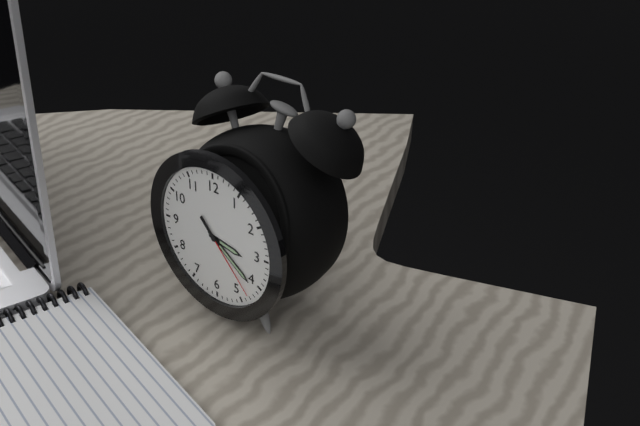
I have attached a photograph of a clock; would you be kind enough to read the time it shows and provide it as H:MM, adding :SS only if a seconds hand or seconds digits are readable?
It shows 3:21:23
